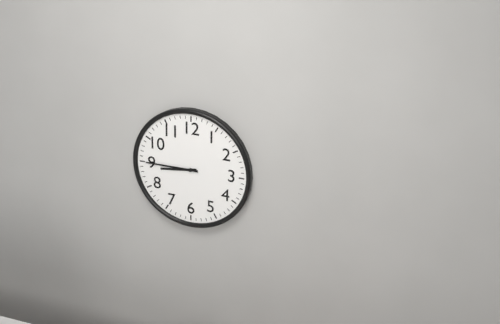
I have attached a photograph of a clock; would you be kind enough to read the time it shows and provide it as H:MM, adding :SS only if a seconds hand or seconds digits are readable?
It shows 8:45
